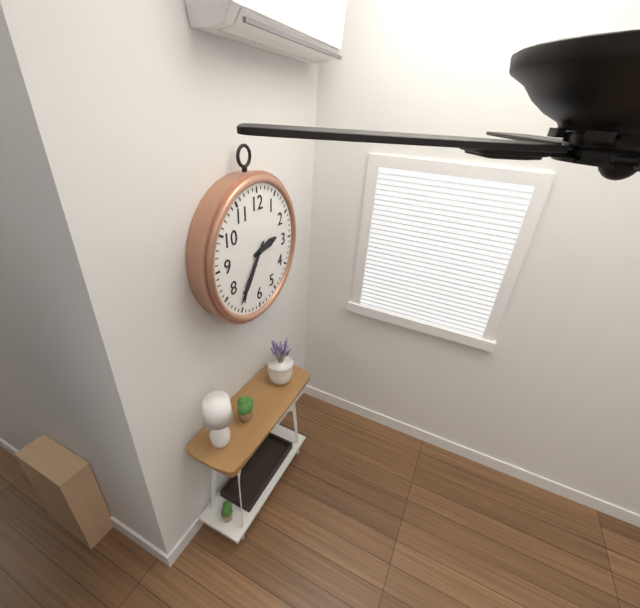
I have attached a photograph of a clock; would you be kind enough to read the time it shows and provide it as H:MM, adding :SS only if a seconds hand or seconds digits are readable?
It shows 2:36
